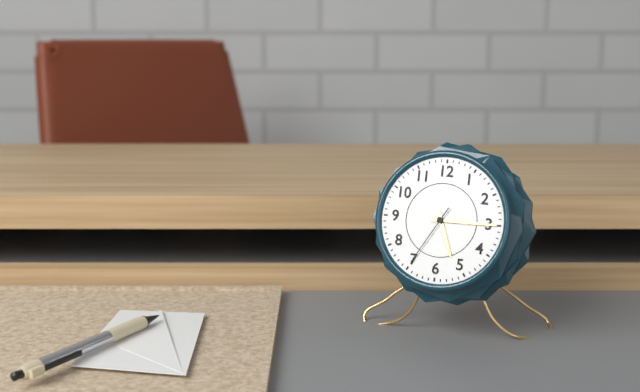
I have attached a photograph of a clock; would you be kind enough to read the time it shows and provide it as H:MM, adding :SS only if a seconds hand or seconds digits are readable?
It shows 5:15:35
